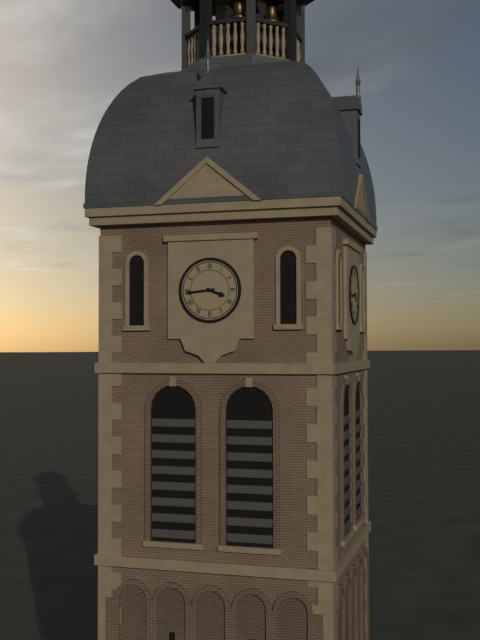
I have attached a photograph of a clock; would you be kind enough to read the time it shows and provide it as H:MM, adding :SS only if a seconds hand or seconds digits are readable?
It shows 3:44
